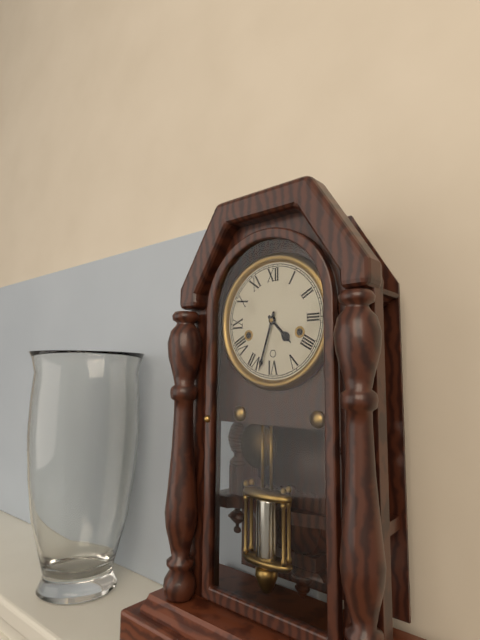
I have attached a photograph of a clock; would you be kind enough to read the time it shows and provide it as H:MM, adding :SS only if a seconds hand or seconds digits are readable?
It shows 4:33
